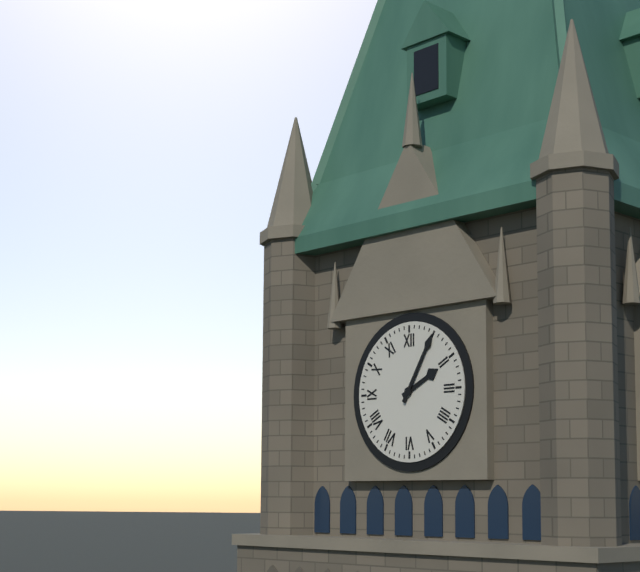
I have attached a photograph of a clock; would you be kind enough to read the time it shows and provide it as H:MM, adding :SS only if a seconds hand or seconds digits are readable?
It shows 2:05
